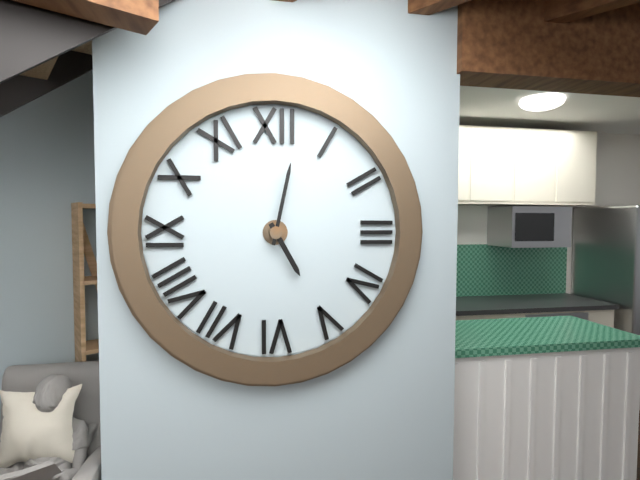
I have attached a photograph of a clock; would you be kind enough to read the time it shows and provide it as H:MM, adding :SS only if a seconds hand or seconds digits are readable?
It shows 5:02
